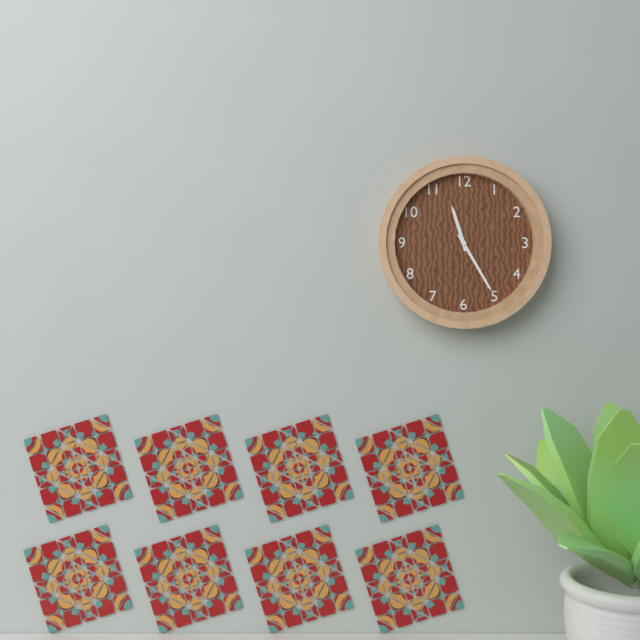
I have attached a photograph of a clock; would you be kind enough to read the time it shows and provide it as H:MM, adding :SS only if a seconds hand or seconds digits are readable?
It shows 11:25
